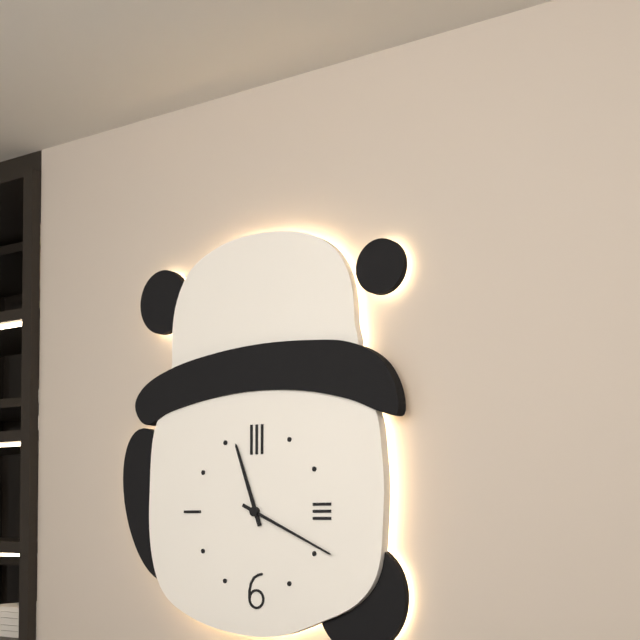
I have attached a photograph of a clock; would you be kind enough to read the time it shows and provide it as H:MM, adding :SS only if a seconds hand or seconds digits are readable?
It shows 11:19
